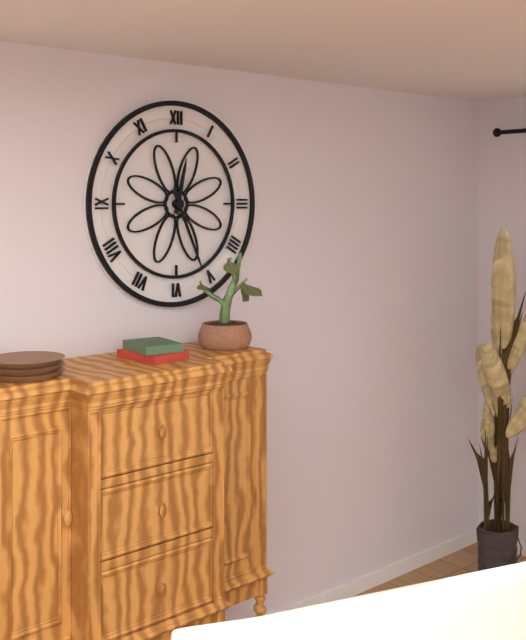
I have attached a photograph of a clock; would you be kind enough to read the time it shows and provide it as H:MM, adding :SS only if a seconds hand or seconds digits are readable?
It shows 12:26
